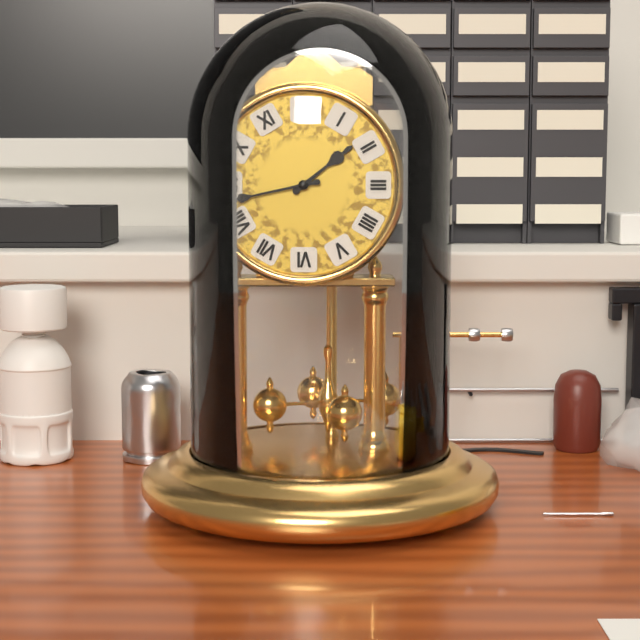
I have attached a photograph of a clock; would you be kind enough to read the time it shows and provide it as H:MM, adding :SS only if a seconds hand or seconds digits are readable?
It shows 1:43
